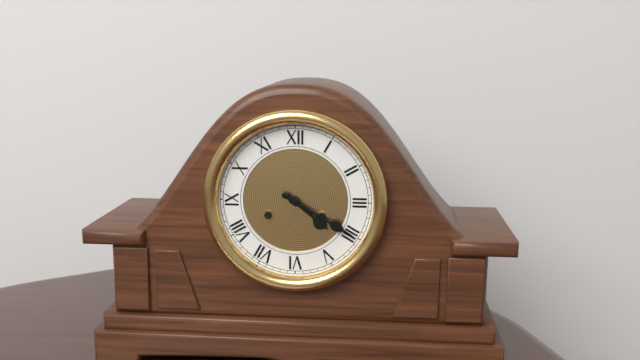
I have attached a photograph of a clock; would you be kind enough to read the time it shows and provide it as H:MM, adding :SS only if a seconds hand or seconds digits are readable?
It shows 4:20
